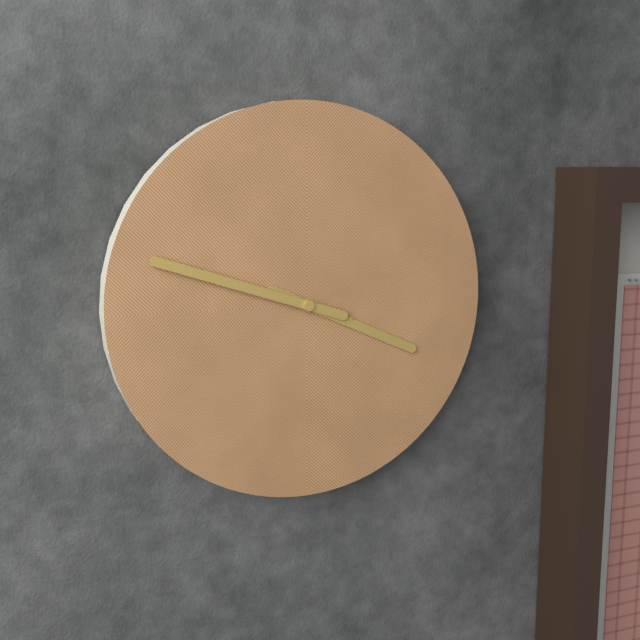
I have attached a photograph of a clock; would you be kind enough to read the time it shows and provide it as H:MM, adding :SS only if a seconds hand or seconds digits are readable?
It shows 3:48
